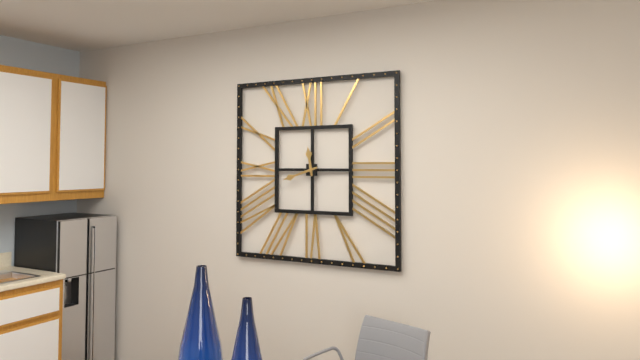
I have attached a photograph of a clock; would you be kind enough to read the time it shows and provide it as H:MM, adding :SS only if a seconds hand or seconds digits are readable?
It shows 11:42
